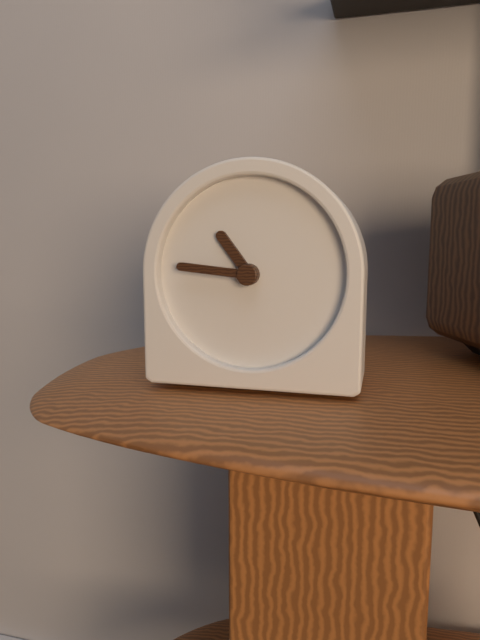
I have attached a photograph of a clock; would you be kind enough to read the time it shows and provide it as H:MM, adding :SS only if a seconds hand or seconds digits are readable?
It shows 10:46
